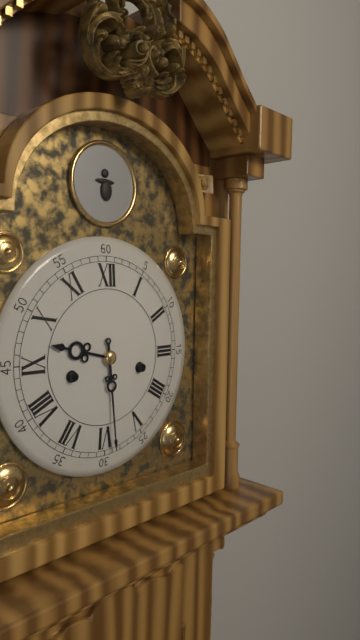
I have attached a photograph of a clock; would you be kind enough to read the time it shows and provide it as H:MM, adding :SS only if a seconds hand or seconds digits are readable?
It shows 9:29
